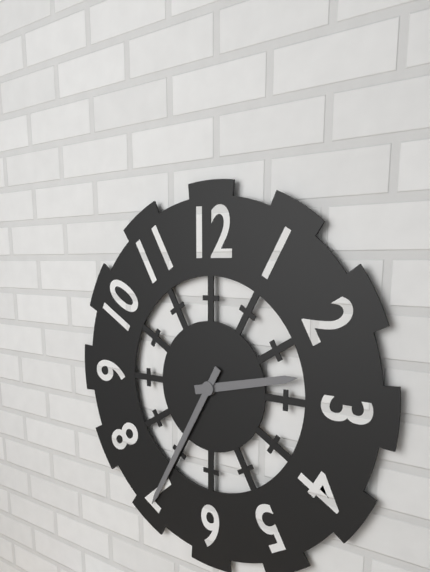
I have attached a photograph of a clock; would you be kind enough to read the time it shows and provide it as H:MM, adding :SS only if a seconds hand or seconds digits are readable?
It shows 2:35
